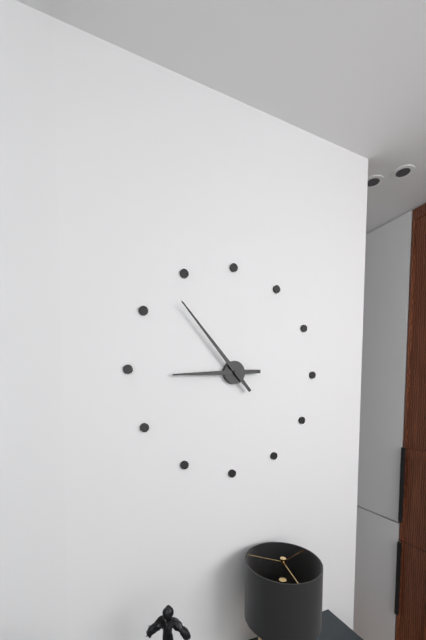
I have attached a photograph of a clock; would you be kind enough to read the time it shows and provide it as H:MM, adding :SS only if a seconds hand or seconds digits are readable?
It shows 8:53
